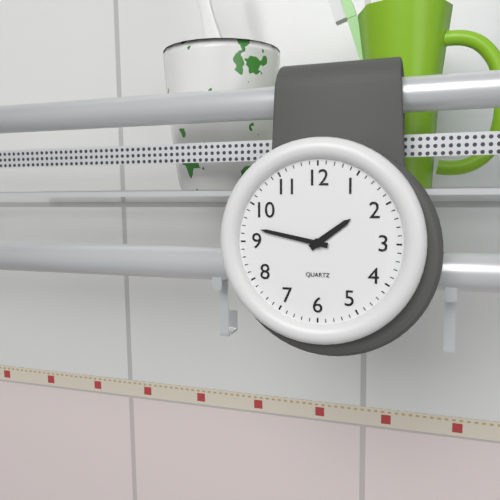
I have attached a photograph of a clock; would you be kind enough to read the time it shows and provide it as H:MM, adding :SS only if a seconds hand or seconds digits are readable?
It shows 1:47
